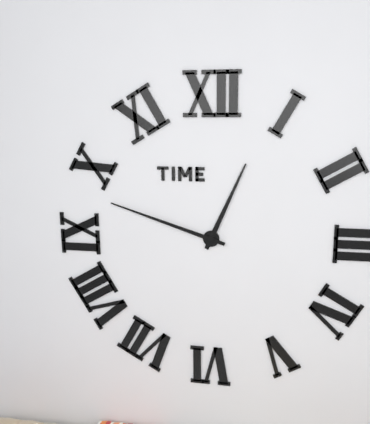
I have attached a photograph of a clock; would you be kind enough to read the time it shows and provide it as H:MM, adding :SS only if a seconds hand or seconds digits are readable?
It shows 12:48
